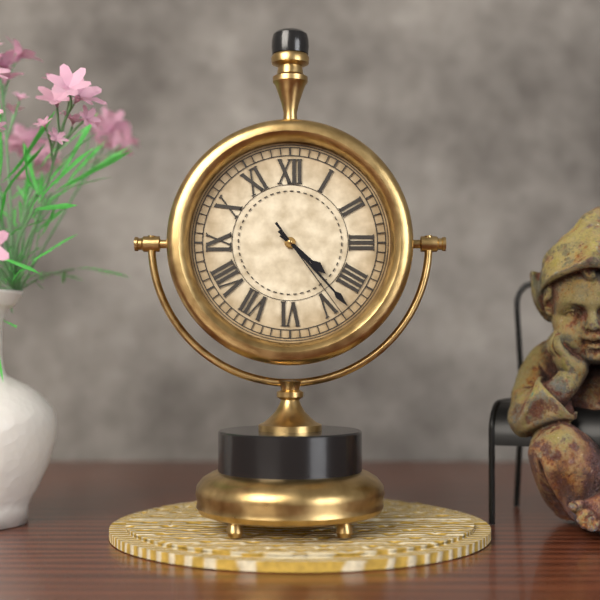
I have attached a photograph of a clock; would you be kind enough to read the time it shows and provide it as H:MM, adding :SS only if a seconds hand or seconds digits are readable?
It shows 4:23:24
